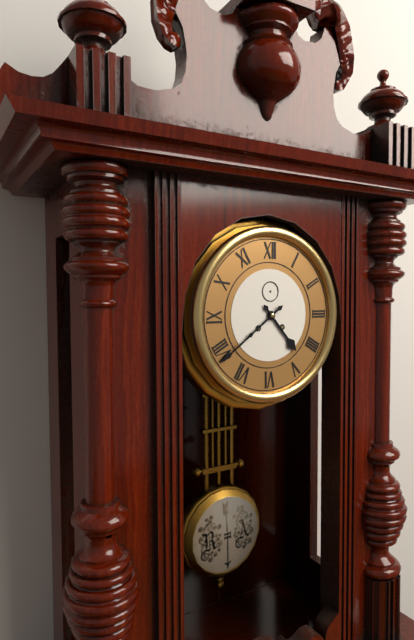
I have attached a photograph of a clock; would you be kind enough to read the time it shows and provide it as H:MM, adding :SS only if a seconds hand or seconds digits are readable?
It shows 4:39
